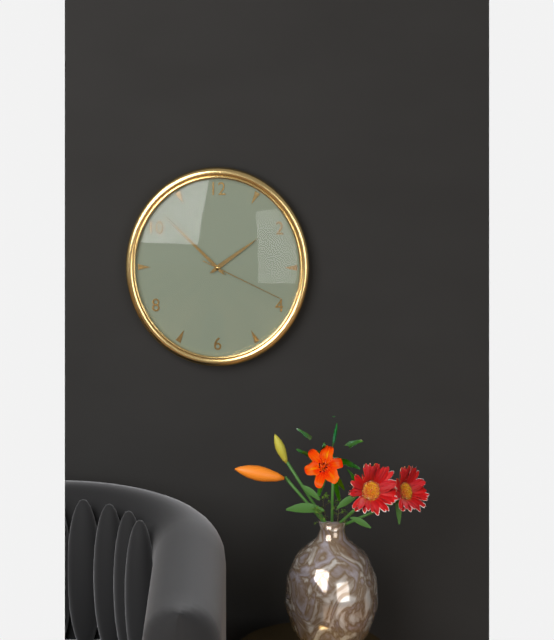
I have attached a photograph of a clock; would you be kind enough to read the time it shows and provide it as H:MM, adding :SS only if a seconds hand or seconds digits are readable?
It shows 1:52:19
